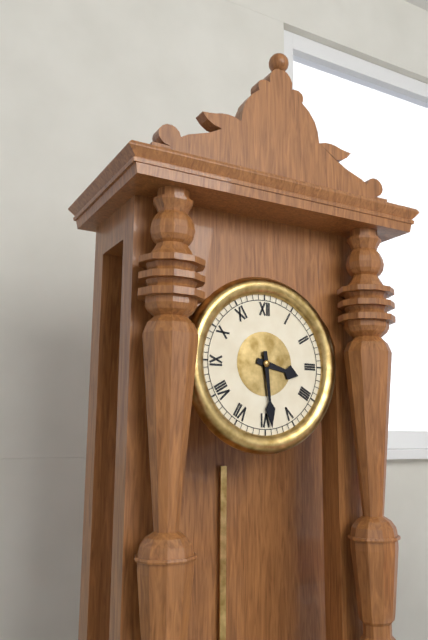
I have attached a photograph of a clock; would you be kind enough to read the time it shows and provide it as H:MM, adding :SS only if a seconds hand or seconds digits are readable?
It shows 3:29
